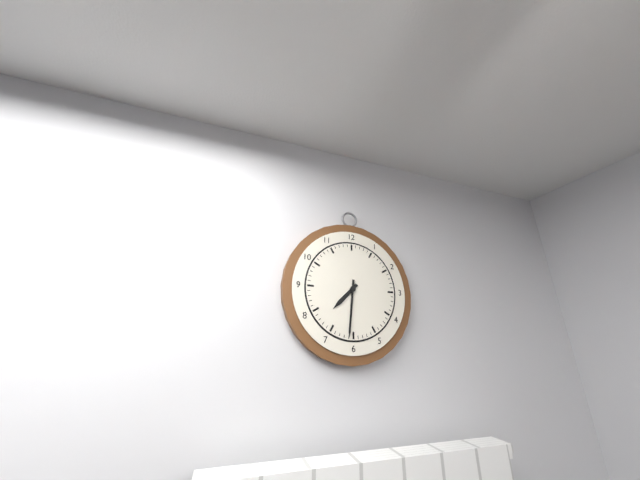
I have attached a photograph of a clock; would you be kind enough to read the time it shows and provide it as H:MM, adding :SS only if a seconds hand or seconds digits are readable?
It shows 7:31
